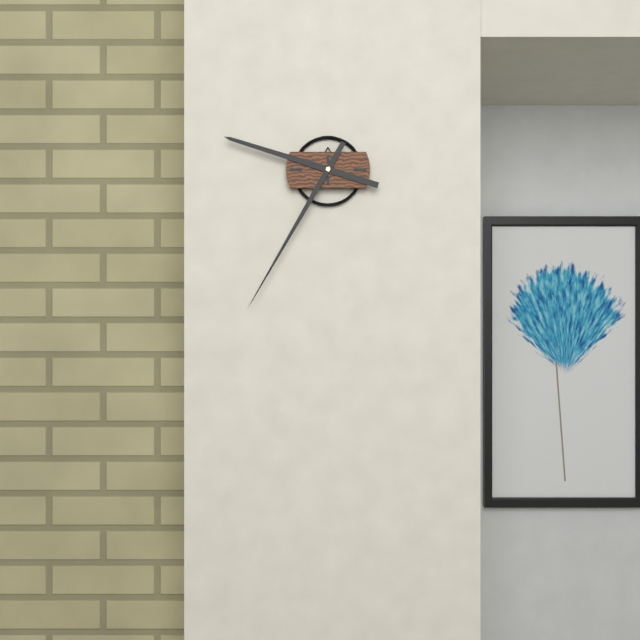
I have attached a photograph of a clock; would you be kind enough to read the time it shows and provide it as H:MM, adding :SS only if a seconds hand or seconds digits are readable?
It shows 9:35
